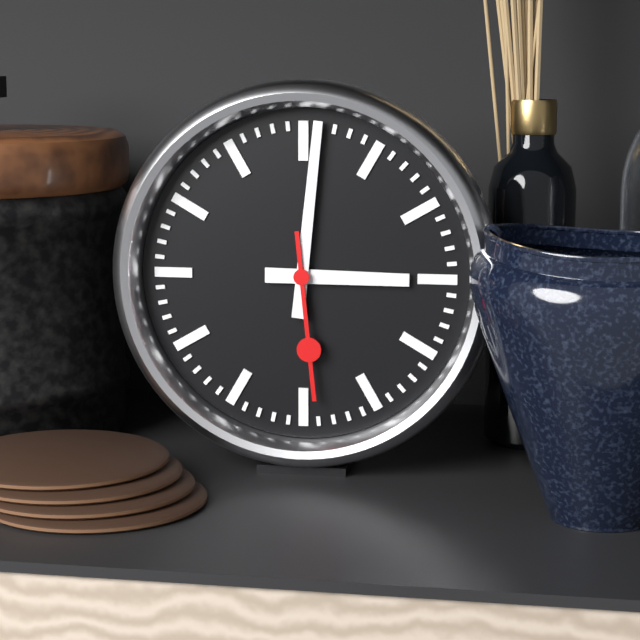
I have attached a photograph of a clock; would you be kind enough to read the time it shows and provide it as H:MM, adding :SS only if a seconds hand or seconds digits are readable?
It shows 3:01:29
